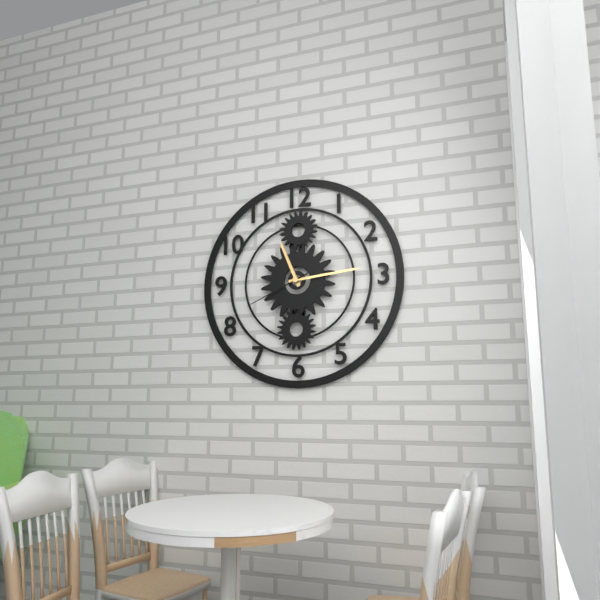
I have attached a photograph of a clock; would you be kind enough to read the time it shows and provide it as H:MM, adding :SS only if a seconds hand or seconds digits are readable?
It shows 11:14:41
